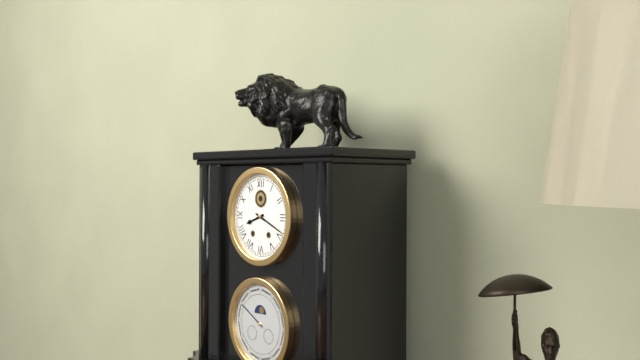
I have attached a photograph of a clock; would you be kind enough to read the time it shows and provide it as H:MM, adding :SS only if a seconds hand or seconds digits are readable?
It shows 8:19
